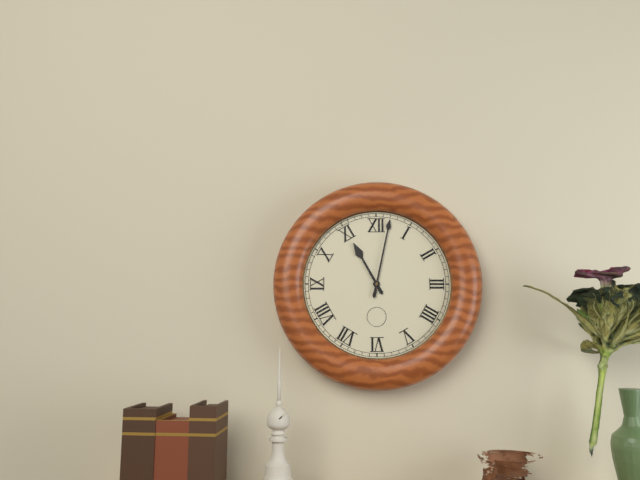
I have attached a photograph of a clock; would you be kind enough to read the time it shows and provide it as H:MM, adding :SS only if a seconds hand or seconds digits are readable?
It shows 11:02
